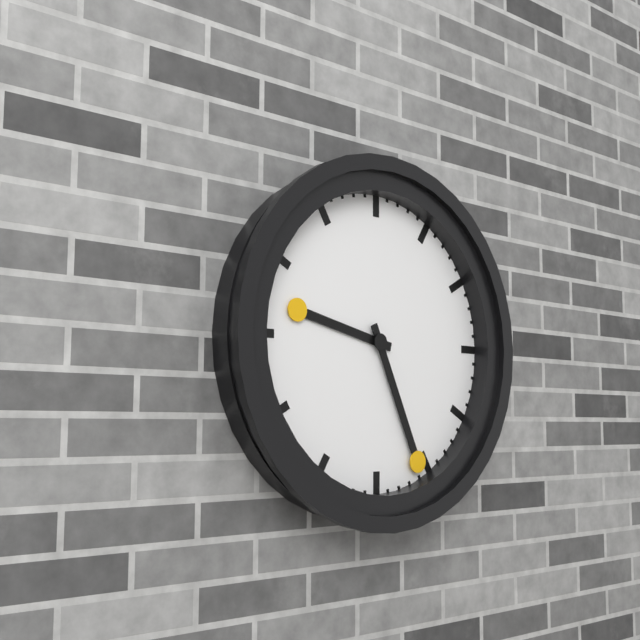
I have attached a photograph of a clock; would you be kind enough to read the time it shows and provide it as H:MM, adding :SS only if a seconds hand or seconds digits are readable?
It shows 9:26
